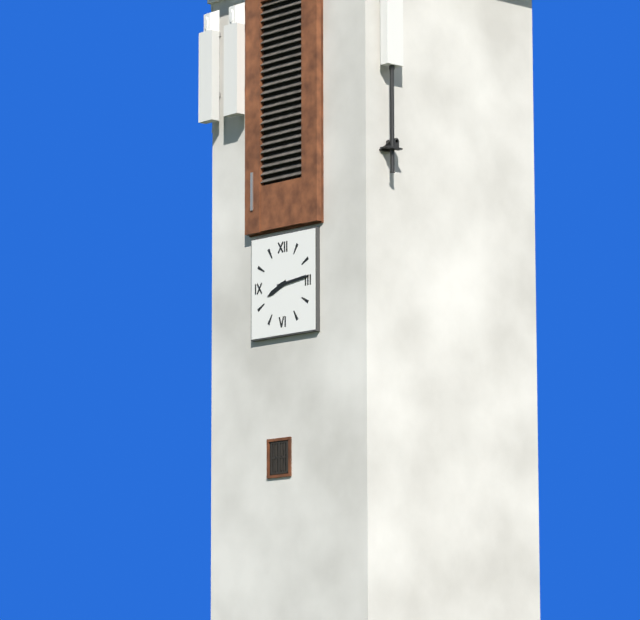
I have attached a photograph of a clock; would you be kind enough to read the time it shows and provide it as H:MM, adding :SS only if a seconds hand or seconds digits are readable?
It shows 8:14
